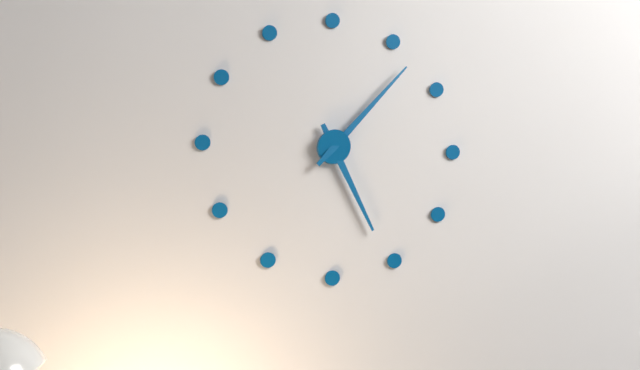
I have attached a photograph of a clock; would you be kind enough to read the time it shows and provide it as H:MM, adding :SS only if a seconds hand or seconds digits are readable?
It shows 5:07
